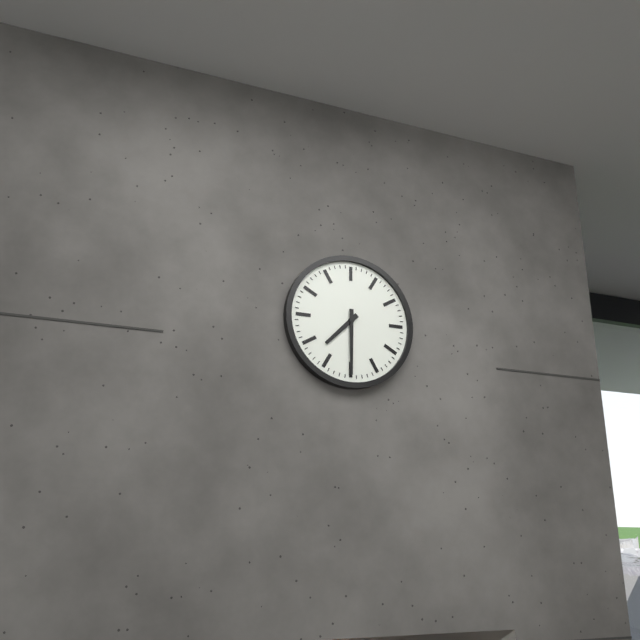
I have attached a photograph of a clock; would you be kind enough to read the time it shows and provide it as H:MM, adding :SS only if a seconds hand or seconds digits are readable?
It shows 7:30
